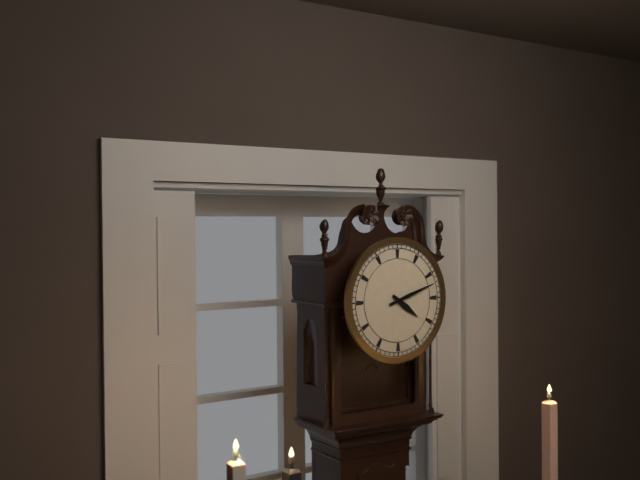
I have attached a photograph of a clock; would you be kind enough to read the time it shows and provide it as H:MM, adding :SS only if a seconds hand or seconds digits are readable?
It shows 4:12
